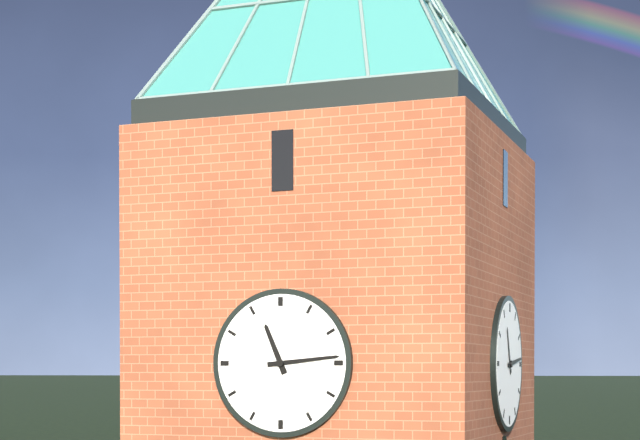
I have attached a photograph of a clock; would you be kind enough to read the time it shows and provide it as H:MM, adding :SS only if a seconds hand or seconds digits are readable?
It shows 11:14
